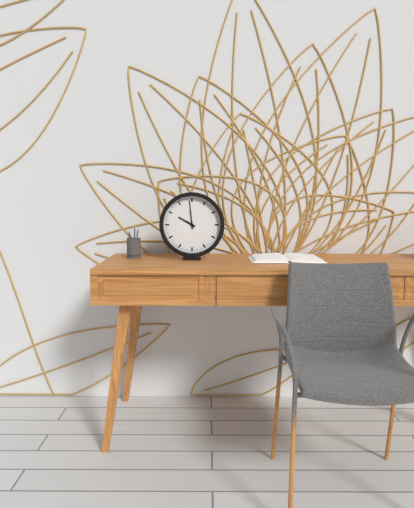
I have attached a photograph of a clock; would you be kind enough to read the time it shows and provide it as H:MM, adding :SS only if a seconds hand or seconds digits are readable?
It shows 9:59
